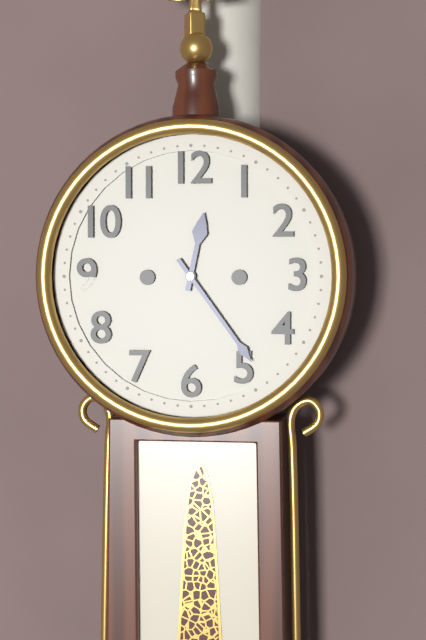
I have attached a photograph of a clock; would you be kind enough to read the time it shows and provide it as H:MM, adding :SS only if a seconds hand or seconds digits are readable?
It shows 12:24
